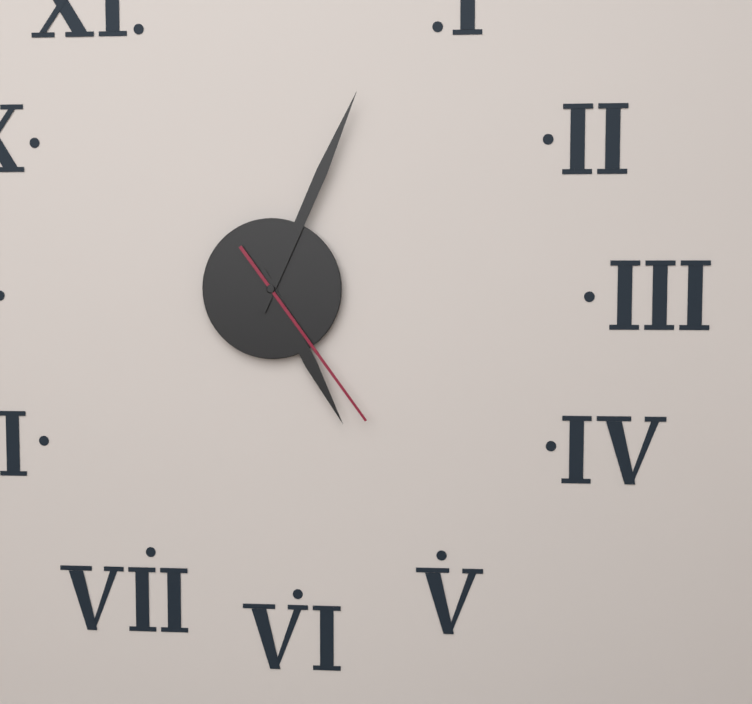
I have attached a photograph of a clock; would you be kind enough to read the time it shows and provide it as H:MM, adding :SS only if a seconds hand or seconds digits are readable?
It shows 5:04:24
